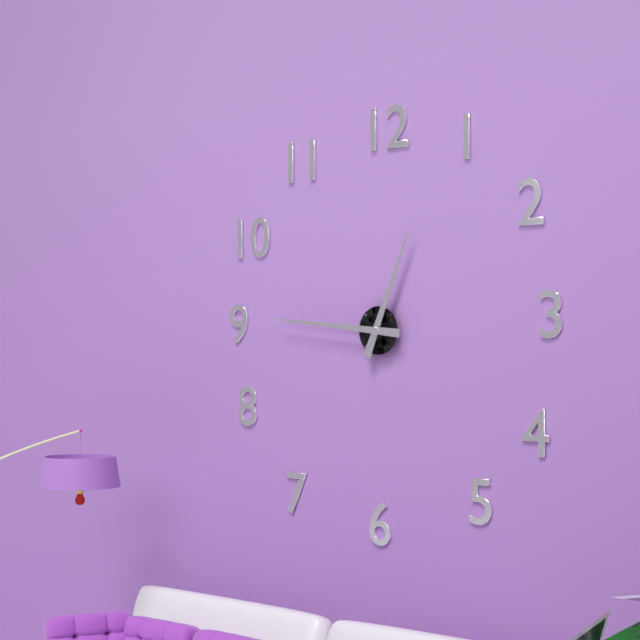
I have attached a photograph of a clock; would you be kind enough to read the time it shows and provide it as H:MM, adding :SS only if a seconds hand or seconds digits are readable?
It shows 12:46
